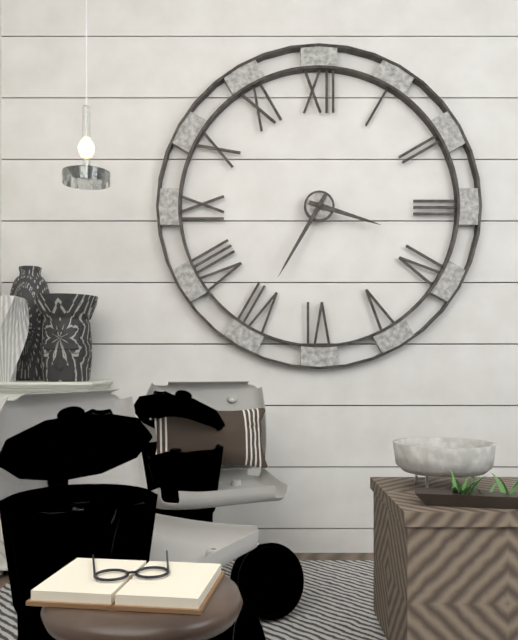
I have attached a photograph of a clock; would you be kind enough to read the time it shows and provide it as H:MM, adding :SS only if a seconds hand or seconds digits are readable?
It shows 3:35
